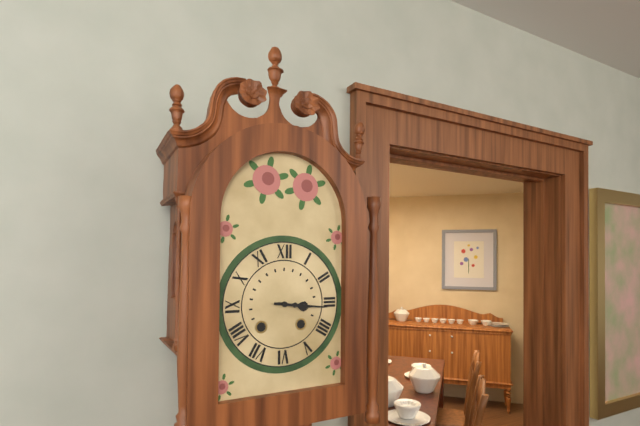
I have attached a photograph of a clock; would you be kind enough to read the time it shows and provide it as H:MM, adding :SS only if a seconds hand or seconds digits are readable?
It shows 3:16
